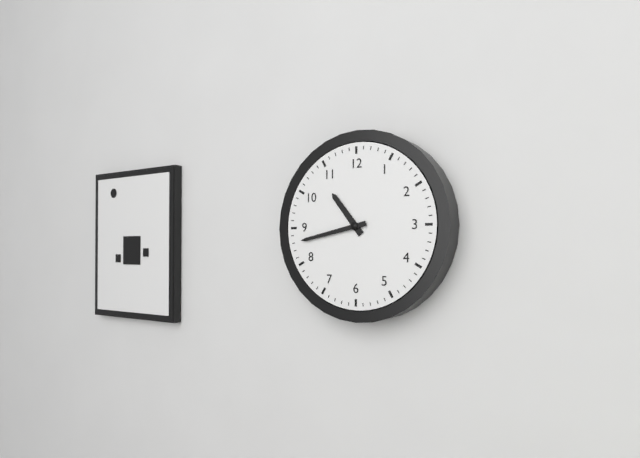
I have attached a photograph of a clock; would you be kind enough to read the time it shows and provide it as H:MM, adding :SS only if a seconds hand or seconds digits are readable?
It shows 10:43
